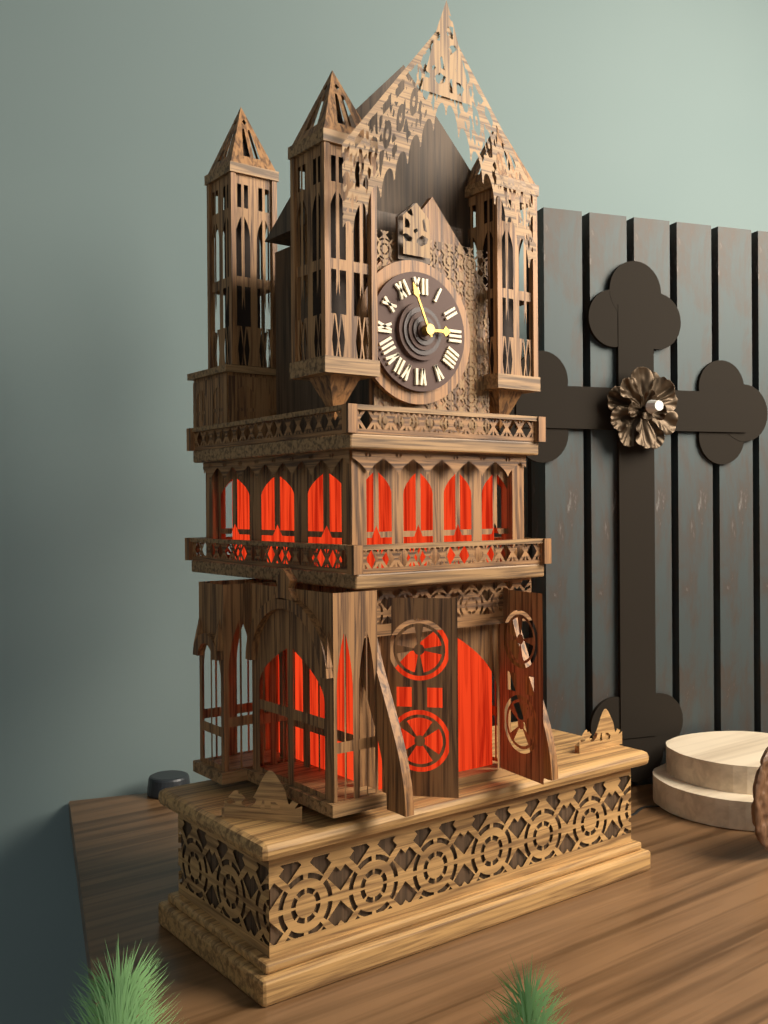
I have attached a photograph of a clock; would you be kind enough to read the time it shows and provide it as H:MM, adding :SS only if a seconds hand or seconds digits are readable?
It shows 2:56
